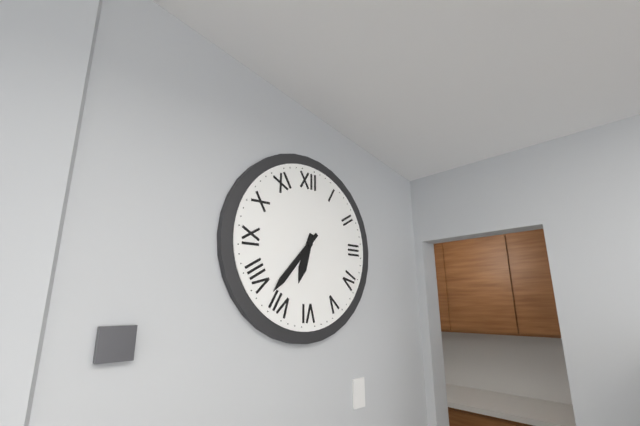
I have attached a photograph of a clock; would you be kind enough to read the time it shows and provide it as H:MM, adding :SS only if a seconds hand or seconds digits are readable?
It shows 6:37
